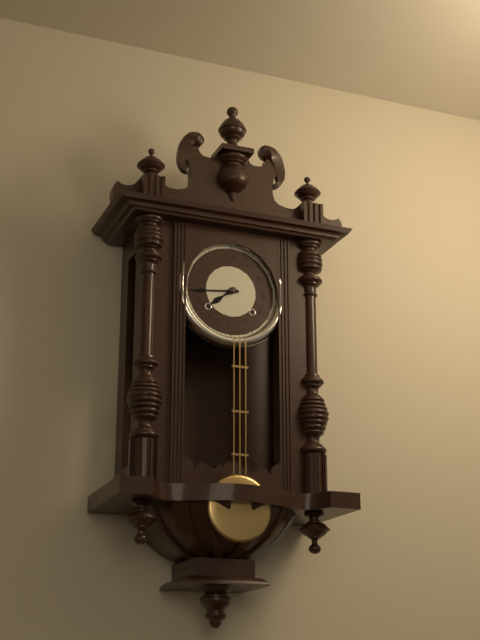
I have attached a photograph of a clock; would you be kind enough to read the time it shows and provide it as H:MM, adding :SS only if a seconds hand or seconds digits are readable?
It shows 7:44
